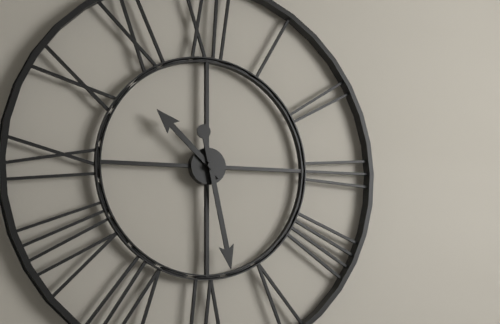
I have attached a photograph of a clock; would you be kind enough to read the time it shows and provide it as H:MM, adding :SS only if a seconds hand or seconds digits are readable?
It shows 10:28
